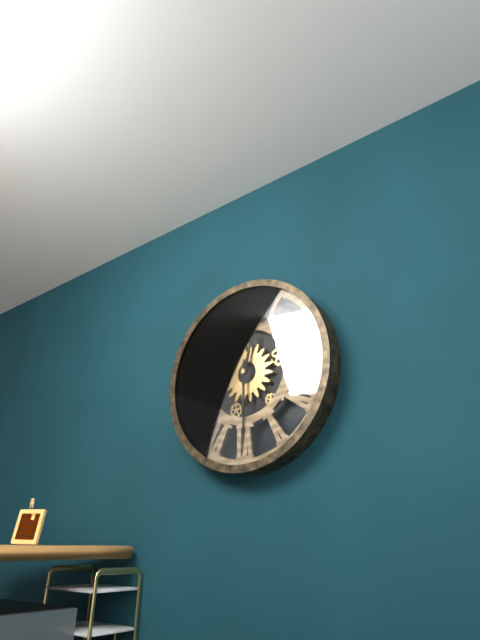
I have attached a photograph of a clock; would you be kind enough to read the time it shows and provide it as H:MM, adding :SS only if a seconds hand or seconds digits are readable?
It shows 12:30
